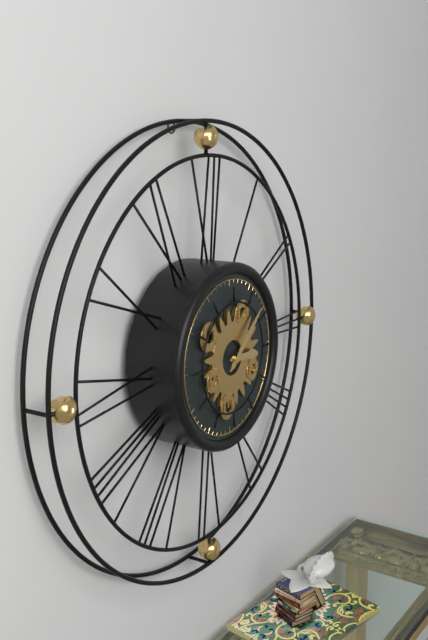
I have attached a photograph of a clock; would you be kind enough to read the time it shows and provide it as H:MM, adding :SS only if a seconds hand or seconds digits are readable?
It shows 3:08
